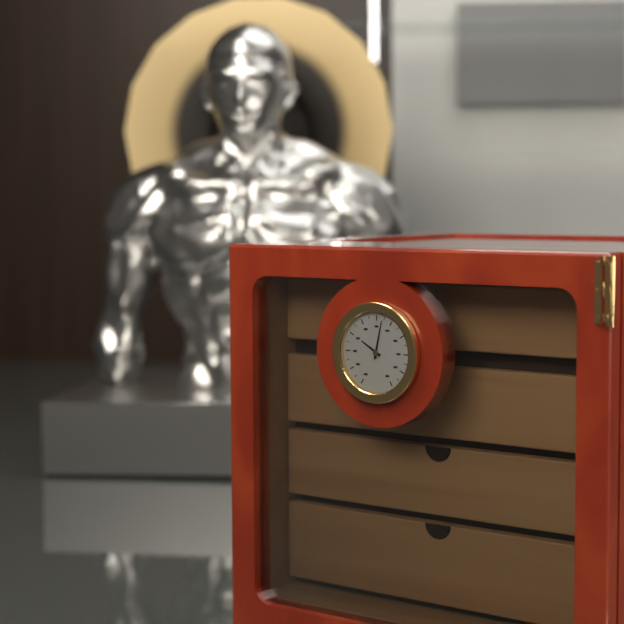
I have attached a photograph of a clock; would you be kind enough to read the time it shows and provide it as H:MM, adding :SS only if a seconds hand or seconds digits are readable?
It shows 10:02
